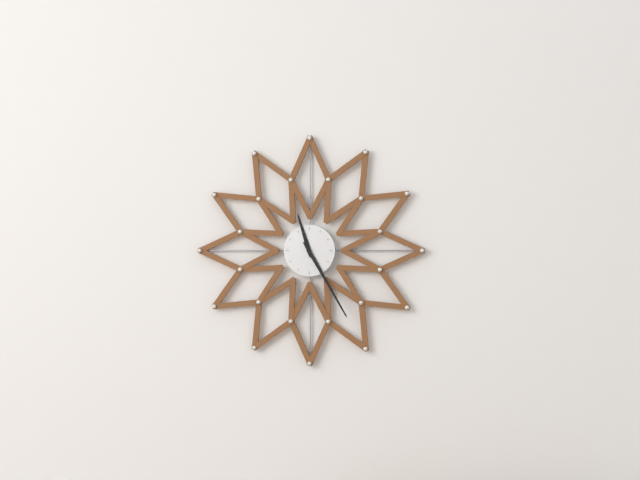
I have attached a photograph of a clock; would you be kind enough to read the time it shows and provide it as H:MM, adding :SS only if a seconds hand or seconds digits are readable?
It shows 11:25
